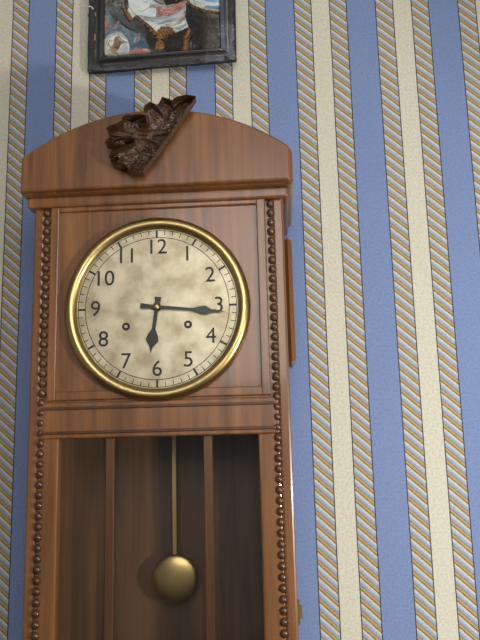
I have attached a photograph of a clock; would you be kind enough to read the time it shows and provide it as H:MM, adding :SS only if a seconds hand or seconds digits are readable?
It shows 6:16
